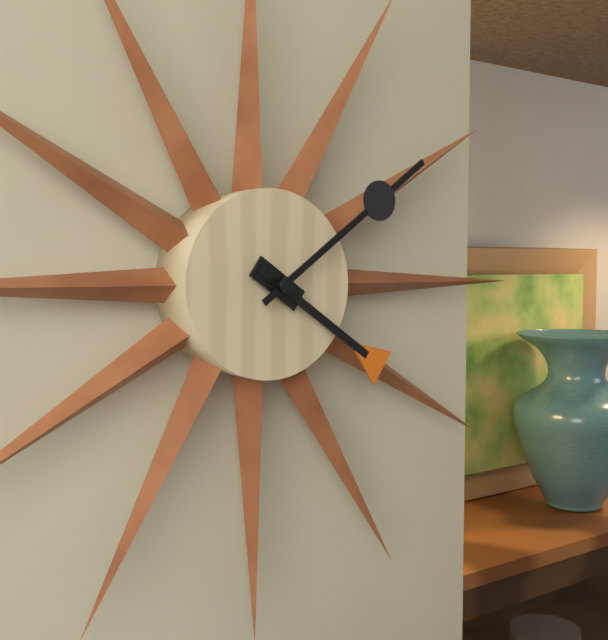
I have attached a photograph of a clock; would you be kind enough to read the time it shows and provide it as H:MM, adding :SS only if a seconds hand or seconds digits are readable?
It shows 4:09
